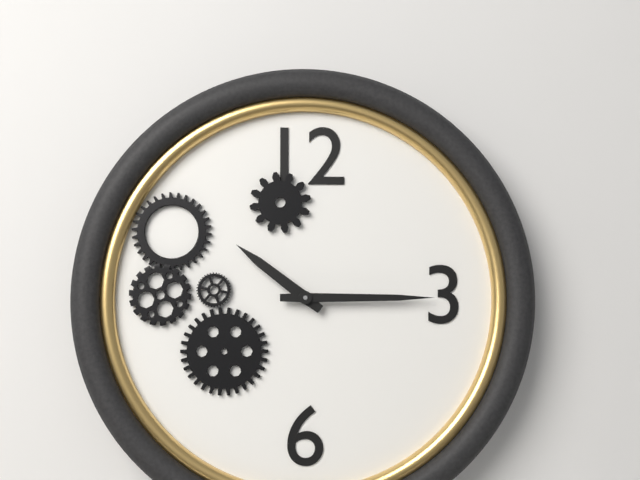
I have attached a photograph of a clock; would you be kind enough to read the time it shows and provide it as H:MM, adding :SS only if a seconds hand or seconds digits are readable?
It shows 10:15
